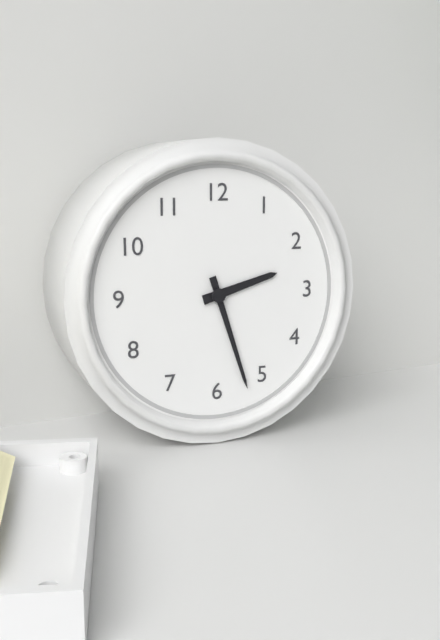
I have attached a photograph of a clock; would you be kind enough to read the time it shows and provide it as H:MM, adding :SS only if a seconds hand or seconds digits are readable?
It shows 2:27
